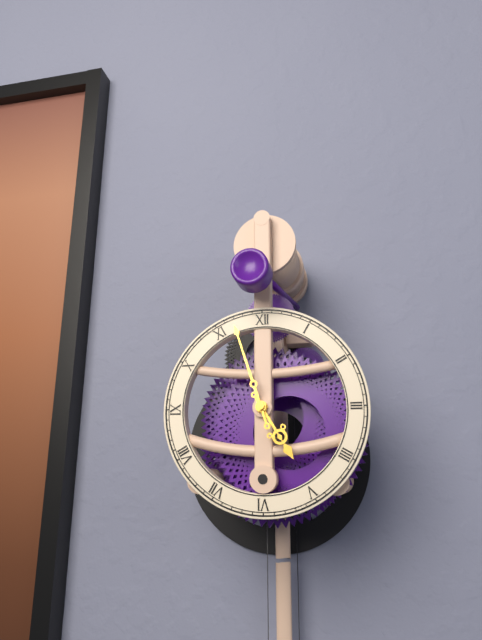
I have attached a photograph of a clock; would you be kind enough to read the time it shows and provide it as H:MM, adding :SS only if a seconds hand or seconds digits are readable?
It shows 4:57
